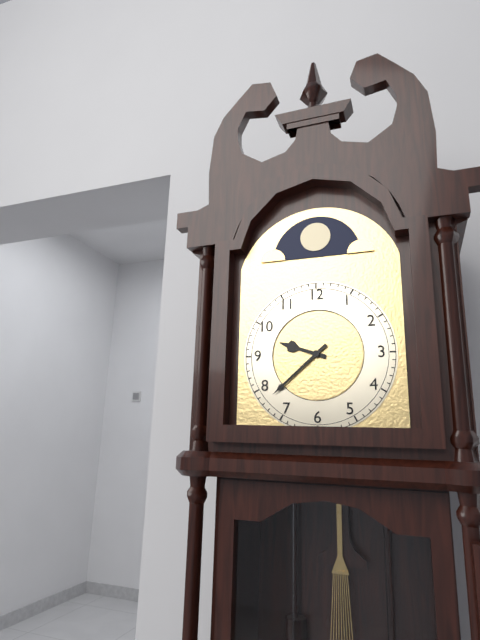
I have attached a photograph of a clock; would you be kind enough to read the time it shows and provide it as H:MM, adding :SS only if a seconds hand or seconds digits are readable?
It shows 9:38
